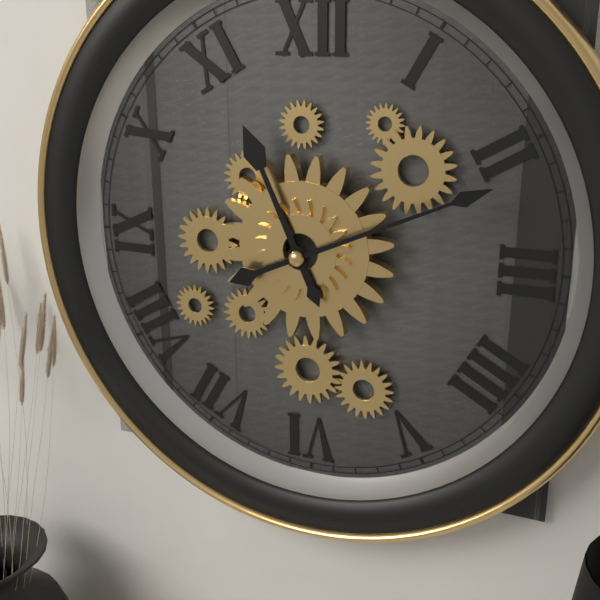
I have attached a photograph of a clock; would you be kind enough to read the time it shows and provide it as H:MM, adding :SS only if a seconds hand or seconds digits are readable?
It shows 11:11
